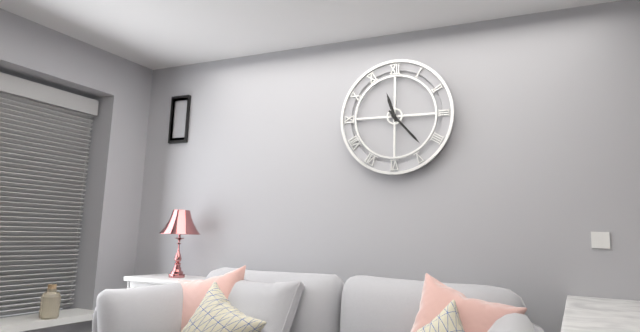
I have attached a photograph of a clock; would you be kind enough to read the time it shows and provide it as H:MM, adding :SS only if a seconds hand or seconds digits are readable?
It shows 11:23
